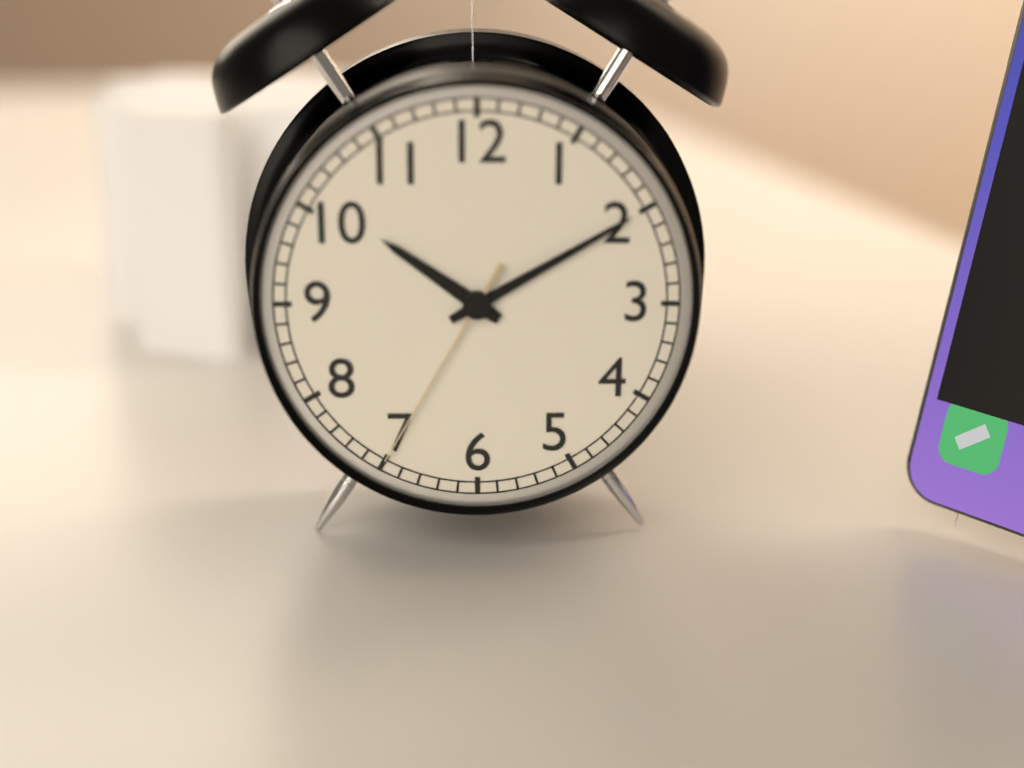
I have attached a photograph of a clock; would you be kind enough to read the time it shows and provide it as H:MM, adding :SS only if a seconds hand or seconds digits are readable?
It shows 10:10:35
